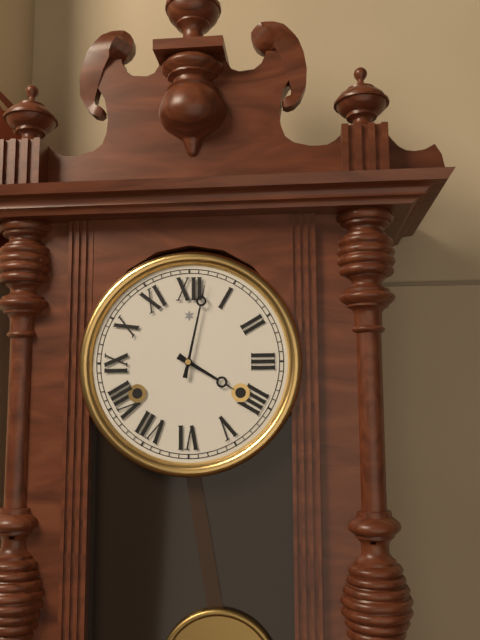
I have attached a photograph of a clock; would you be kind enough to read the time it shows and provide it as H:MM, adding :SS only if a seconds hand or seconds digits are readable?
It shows 4:02
